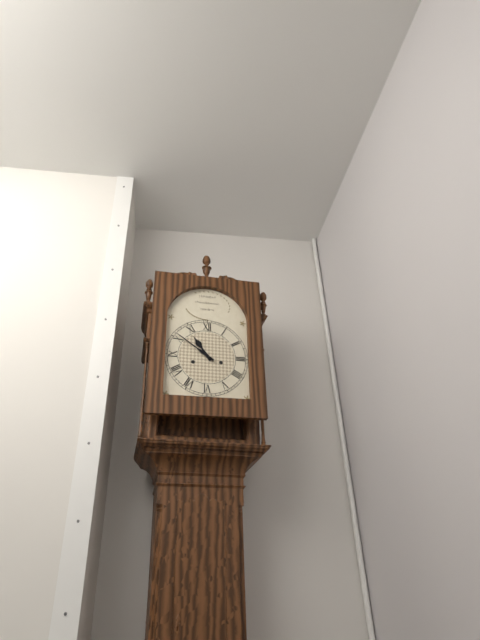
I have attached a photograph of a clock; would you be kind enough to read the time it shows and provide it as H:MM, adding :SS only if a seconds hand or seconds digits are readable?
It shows 10:51
